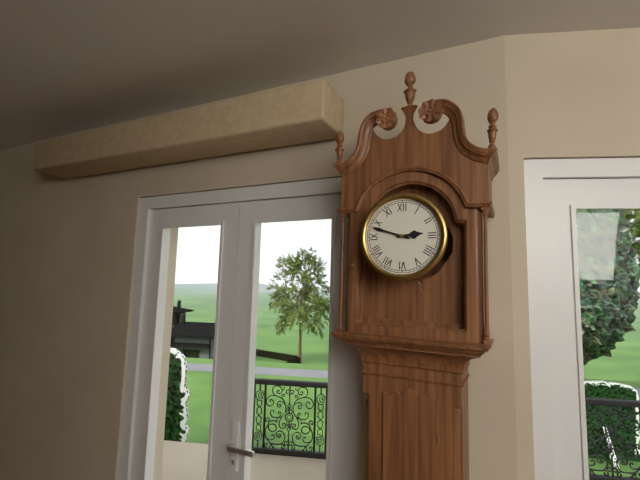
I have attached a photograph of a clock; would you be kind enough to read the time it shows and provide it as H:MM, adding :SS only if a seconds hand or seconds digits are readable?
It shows 2:48
